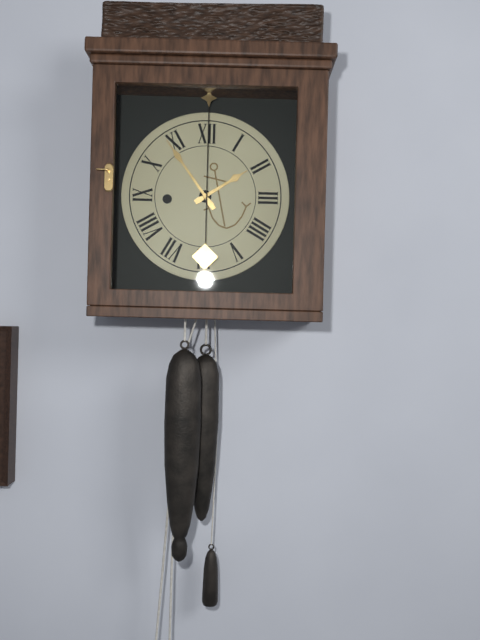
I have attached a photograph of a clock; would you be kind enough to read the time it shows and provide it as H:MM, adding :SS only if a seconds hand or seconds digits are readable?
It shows 1:54
